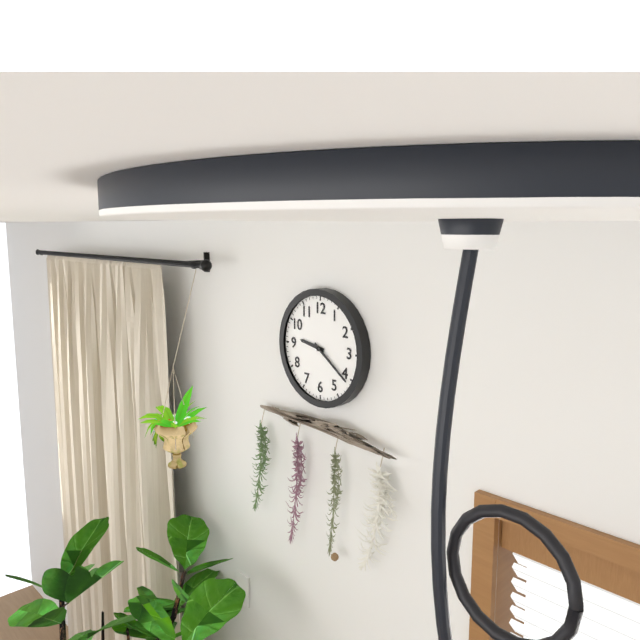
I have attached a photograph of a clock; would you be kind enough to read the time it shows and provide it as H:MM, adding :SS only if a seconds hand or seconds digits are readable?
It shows 9:21
